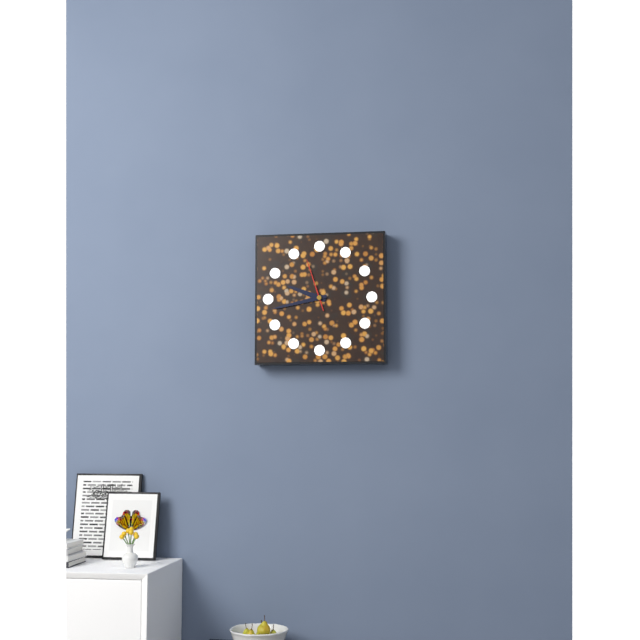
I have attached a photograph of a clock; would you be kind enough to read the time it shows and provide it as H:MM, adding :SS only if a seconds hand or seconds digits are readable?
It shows 9:43:57
